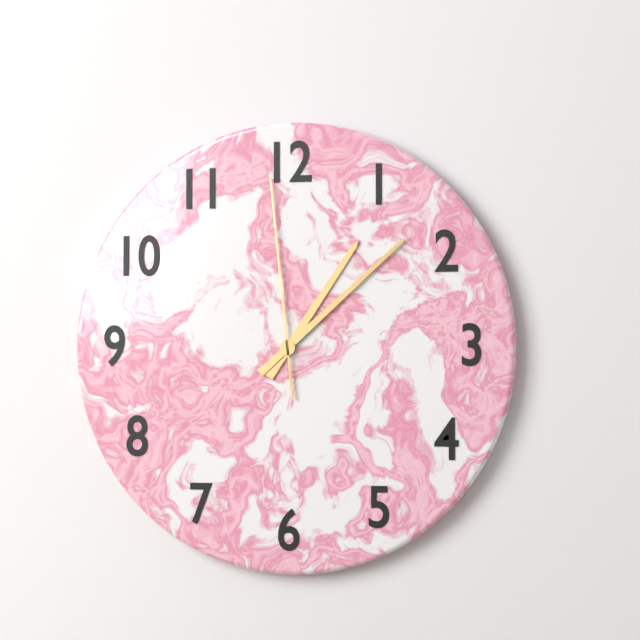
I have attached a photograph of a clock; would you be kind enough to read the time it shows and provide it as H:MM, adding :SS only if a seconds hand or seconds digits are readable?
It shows 1:08:59
